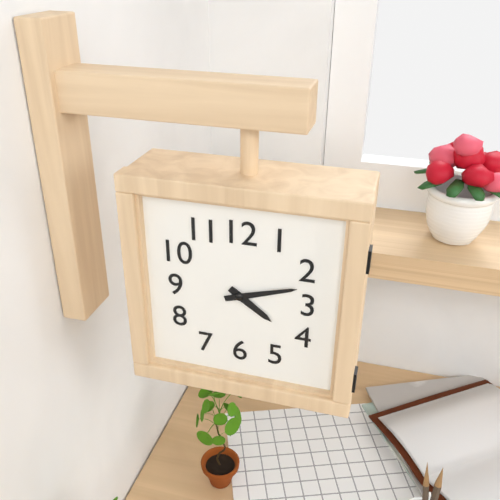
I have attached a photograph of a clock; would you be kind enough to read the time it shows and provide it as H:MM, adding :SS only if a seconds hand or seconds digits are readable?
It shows 4:12
